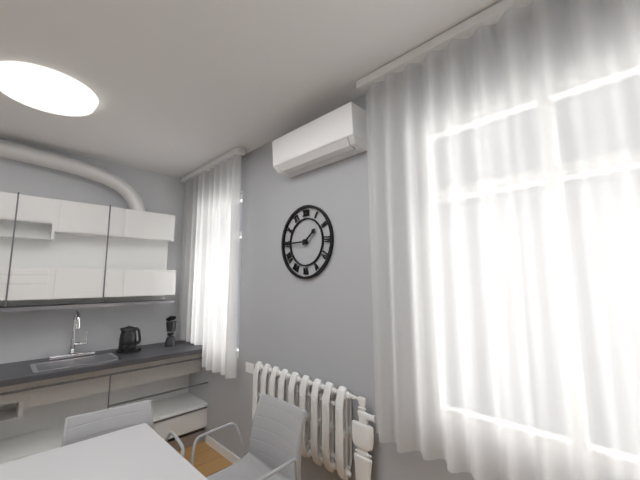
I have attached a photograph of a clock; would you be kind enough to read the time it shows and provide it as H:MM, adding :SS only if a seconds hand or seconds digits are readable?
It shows 1:45
